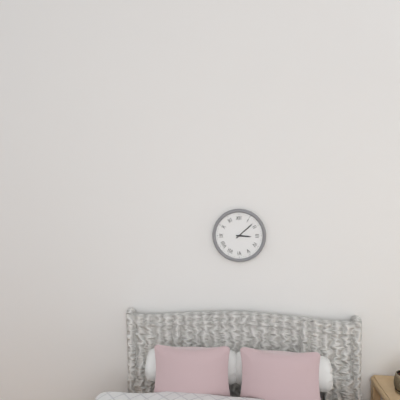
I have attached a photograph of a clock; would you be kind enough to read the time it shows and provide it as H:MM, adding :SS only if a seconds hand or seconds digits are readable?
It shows 3:08
